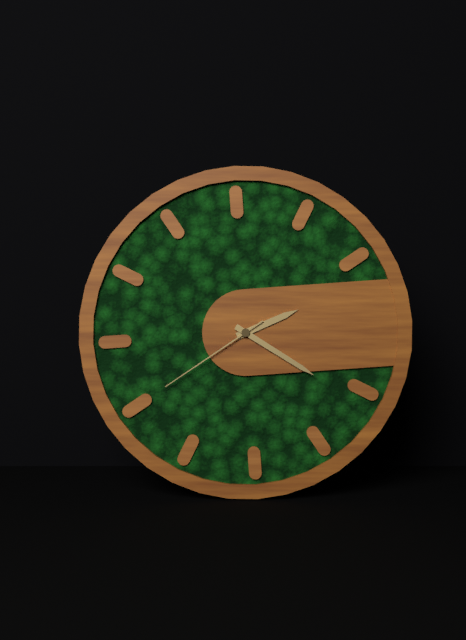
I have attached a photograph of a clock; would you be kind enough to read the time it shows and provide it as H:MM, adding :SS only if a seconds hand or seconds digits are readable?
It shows 2:21:40
